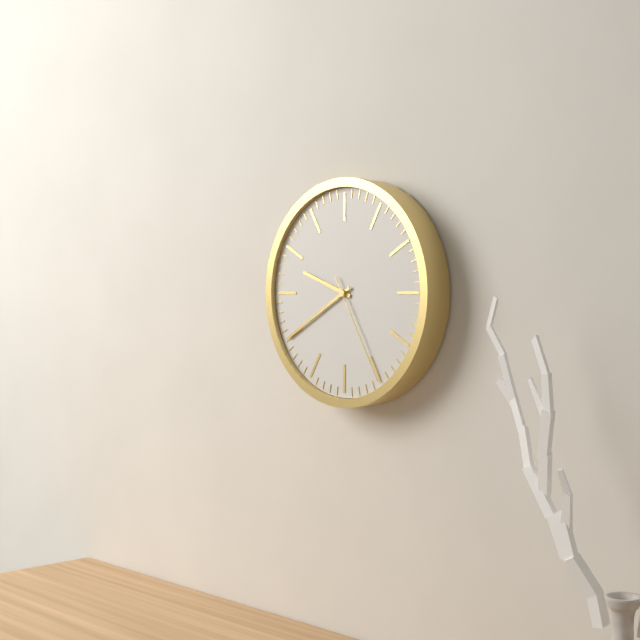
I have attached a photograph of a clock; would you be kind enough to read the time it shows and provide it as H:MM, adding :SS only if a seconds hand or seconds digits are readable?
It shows 9:40:25
